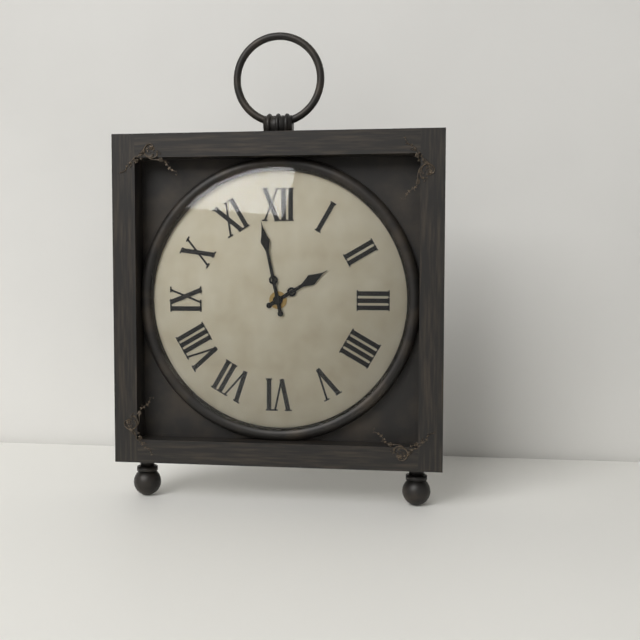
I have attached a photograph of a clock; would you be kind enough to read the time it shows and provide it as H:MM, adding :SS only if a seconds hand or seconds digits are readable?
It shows 1:58
